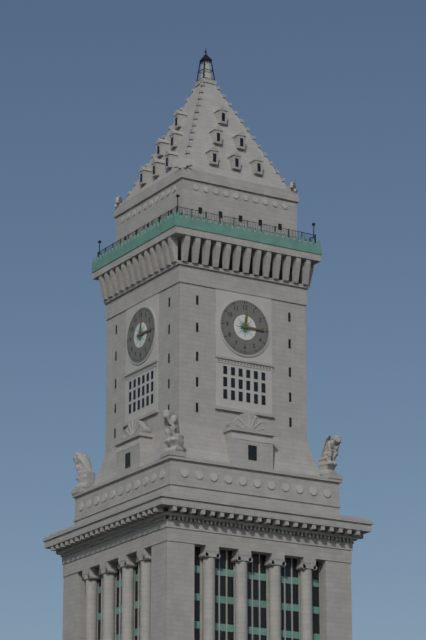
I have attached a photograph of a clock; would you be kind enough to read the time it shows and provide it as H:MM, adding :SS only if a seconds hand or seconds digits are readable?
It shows 12:15
